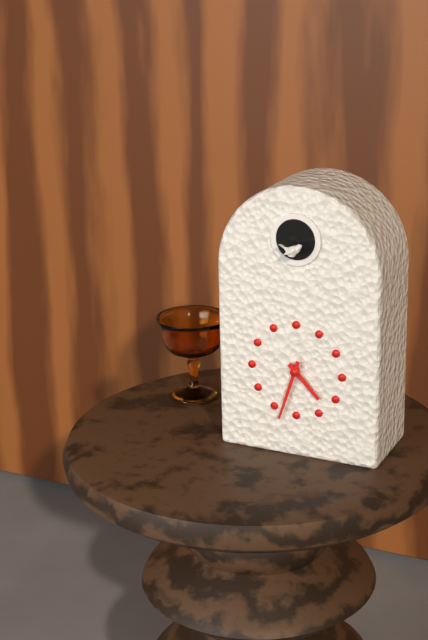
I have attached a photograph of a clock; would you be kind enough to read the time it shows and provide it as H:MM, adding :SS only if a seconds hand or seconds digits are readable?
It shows 4:33
